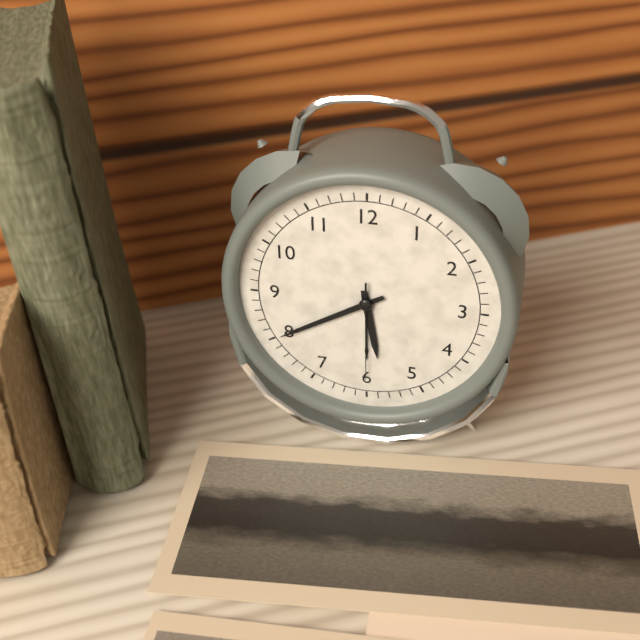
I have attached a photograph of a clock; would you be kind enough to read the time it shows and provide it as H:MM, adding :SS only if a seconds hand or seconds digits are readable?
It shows 5:40:30
